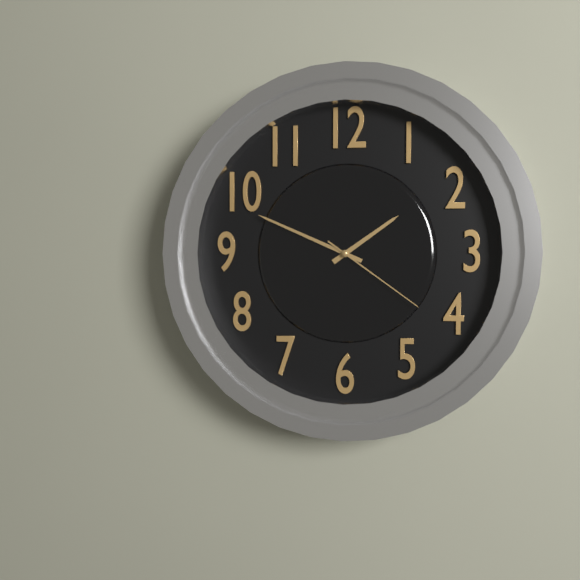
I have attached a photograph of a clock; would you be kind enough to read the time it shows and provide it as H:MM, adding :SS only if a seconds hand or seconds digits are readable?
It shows 1:49:21
